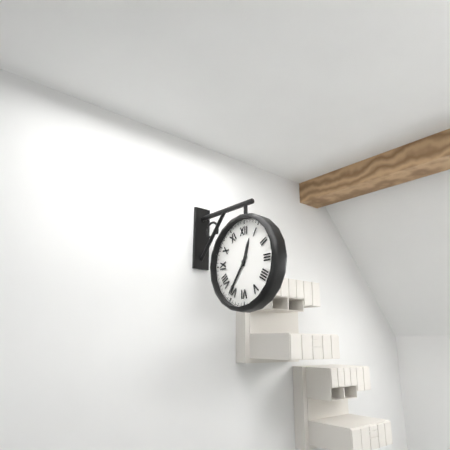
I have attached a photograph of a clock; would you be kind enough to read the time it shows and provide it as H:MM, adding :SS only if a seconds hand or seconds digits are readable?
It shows 12:36
